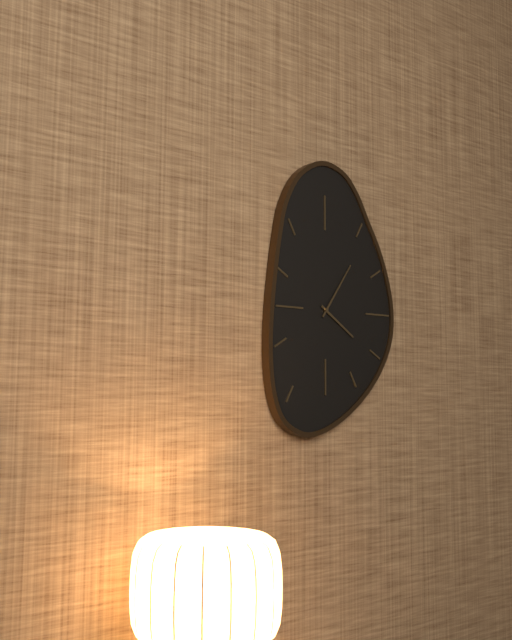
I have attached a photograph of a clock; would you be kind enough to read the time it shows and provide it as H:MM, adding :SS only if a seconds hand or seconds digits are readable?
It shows 4:06
